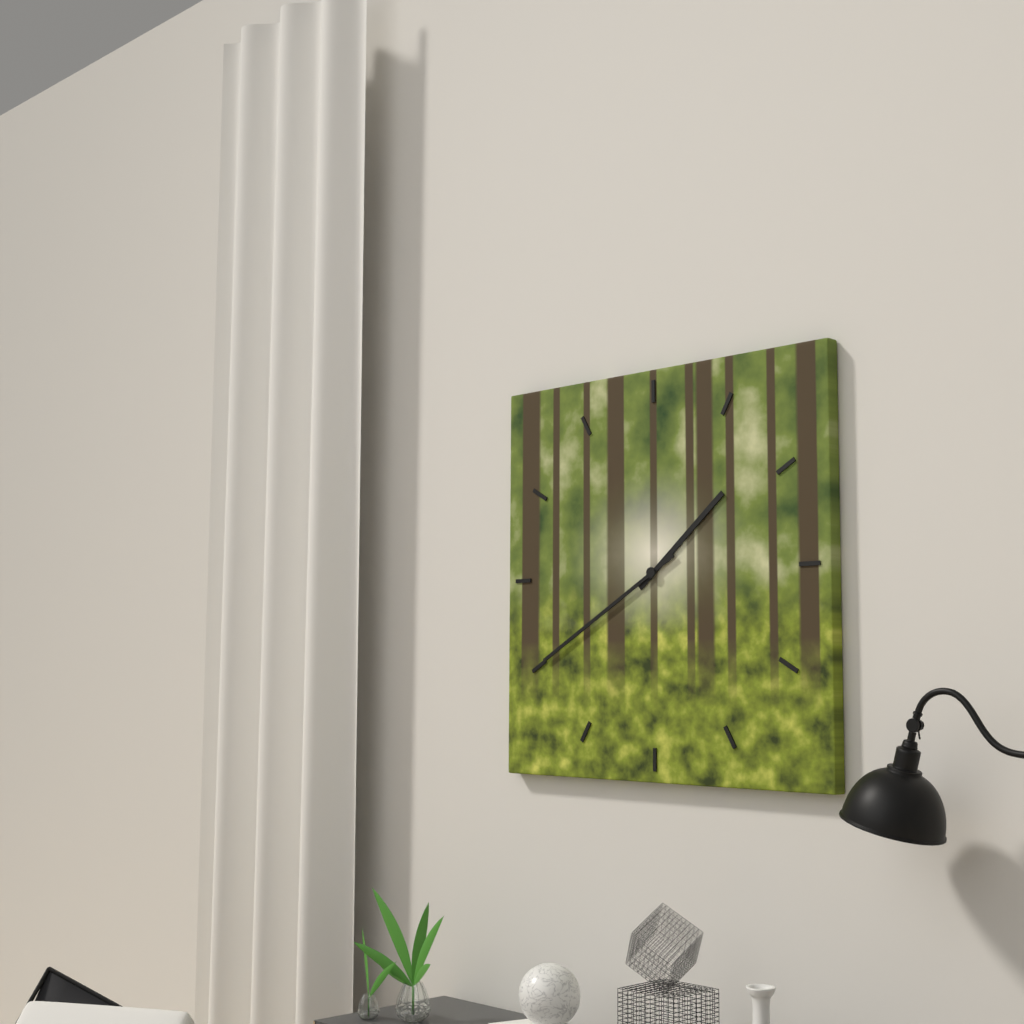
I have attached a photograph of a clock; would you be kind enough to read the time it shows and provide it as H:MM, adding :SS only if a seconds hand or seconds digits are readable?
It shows 1:40
